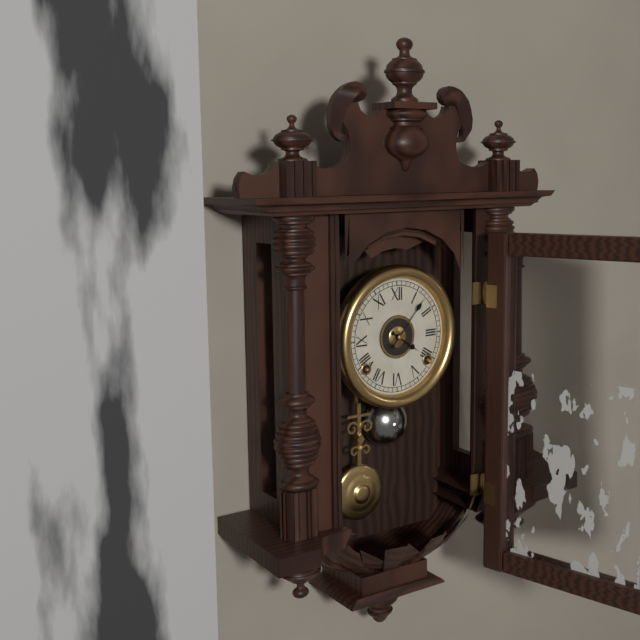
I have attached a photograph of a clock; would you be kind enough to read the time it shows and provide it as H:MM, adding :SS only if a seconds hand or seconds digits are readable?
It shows 4:07
